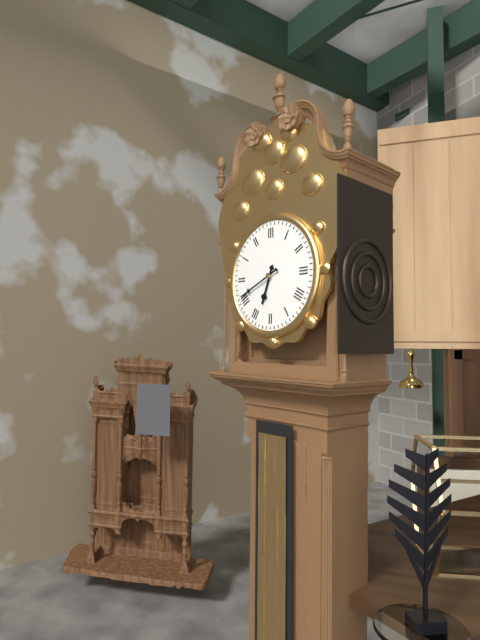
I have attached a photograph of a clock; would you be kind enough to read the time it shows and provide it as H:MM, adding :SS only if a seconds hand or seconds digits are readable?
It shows 6:41
